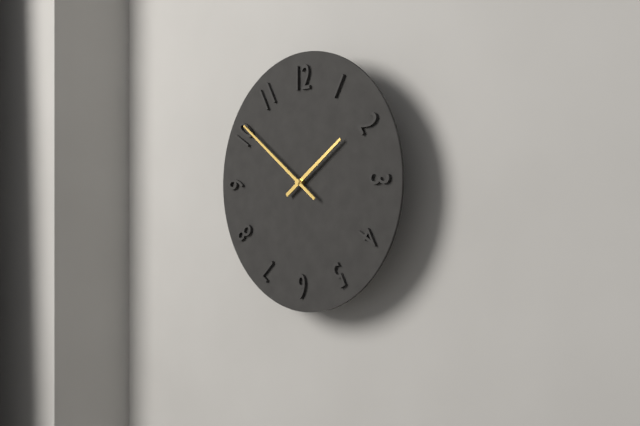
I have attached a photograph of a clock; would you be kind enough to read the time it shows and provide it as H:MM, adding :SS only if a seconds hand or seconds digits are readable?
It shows 1:51
